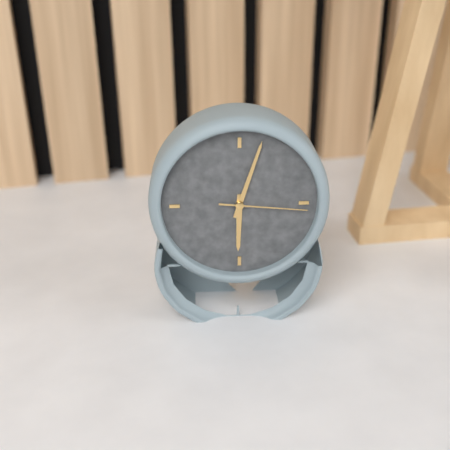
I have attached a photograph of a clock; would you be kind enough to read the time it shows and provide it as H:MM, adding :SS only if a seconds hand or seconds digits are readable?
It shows 6:03:16
